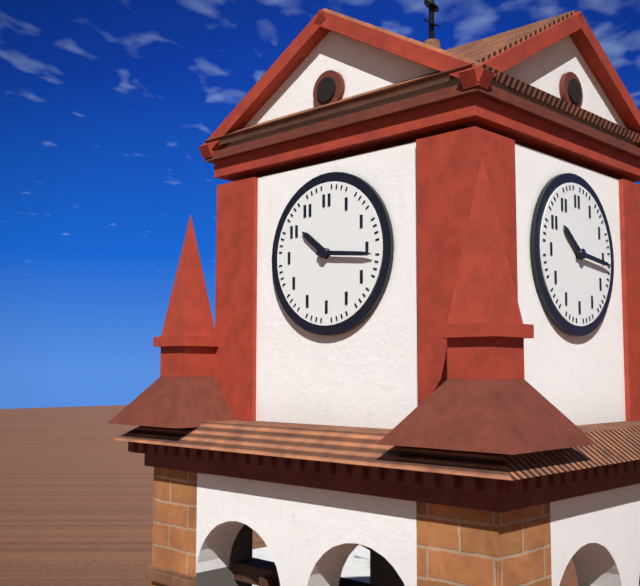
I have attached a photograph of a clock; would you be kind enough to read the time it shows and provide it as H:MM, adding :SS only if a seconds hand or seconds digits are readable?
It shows 10:16
